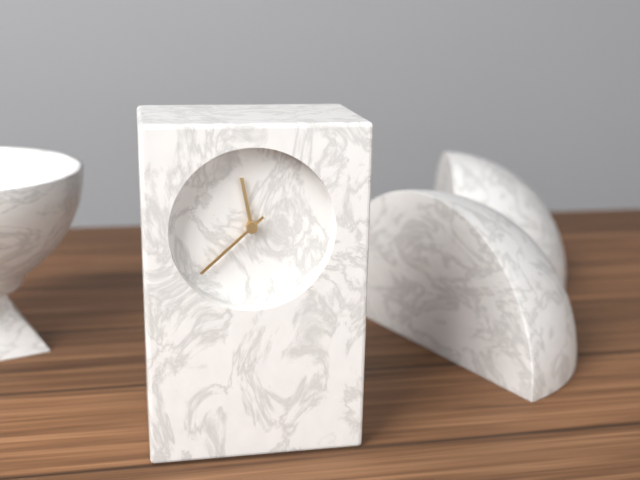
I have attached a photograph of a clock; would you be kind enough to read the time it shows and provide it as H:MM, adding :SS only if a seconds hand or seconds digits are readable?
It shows 11:38
